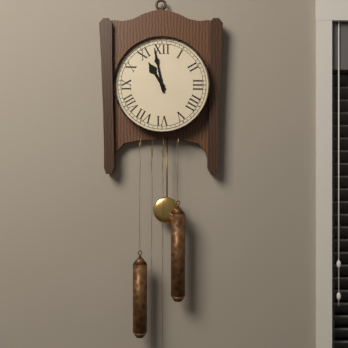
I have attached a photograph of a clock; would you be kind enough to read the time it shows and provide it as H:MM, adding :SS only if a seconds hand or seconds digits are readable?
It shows 10:58
